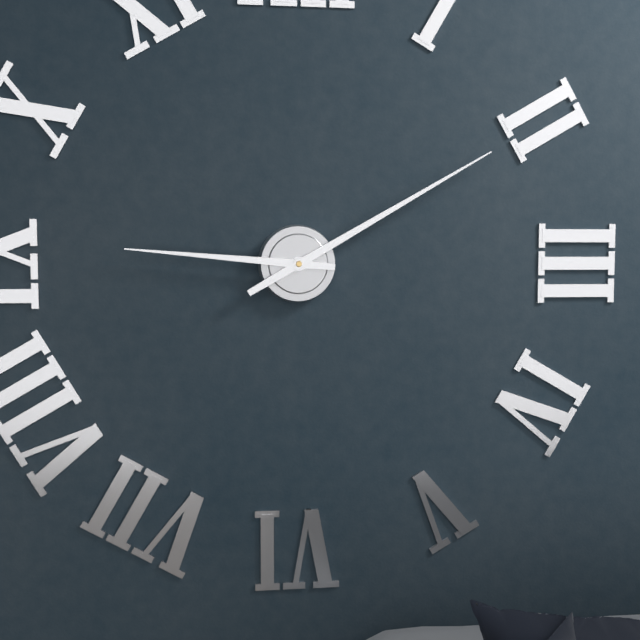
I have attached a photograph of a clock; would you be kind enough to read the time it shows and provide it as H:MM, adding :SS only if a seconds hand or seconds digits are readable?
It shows 9:10
